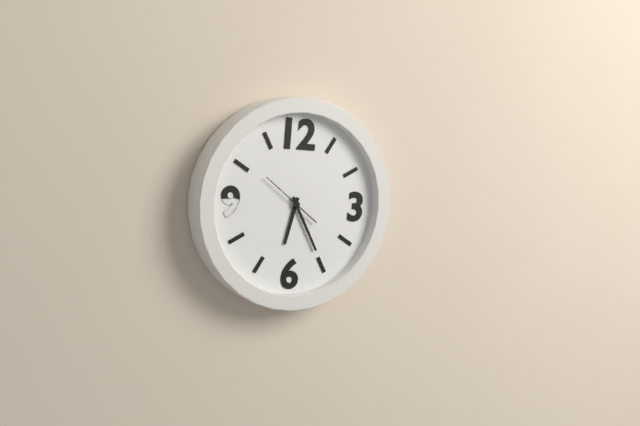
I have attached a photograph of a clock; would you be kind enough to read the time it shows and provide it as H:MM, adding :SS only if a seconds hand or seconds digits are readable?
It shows 6:25
